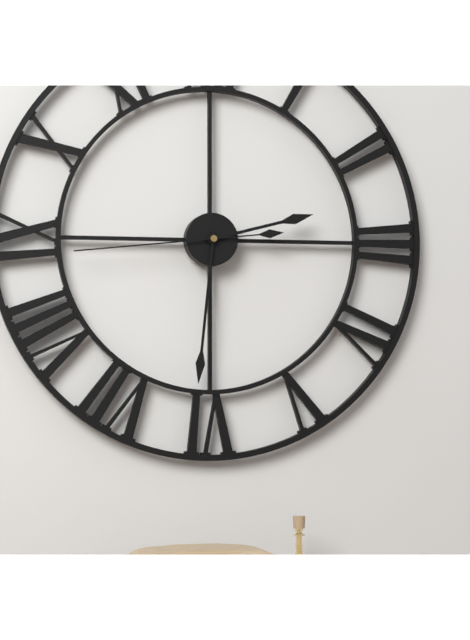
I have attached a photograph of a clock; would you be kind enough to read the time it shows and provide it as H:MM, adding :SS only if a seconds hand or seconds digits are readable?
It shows 2:31:44
